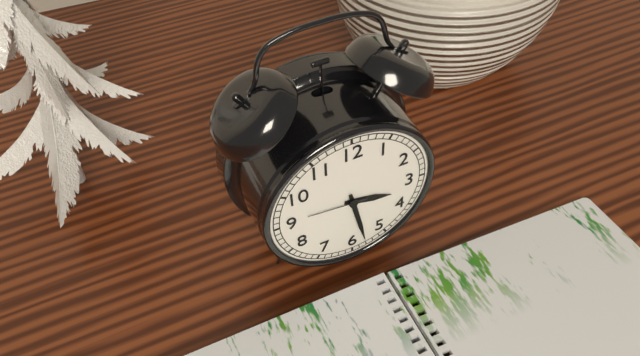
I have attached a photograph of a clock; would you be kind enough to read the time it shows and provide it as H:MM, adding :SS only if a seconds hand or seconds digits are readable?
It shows 3:28:46
